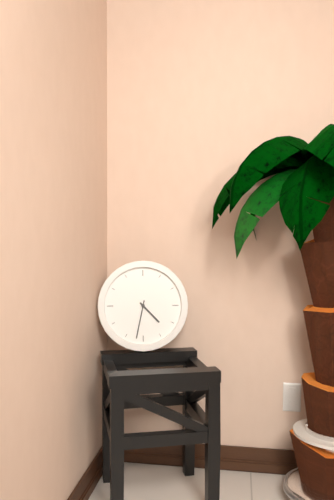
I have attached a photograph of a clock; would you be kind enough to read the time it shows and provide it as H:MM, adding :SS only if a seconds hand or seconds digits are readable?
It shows 4:32
